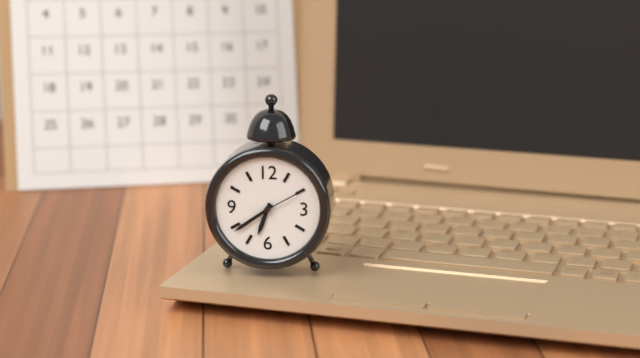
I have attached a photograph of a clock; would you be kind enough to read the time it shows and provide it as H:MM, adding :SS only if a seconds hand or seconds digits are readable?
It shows 6:39
